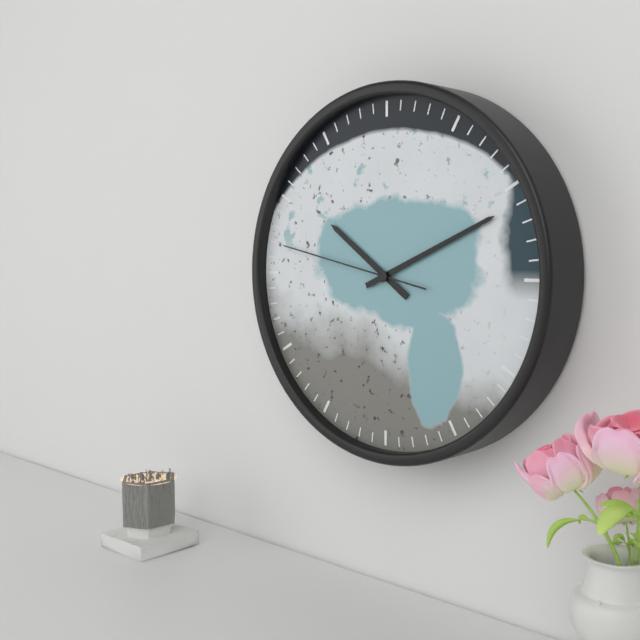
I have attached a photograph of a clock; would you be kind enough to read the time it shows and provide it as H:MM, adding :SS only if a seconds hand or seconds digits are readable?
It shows 10:11:47
